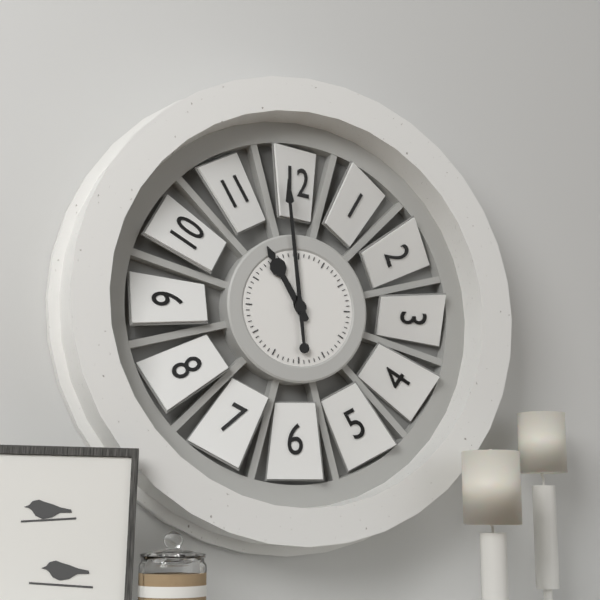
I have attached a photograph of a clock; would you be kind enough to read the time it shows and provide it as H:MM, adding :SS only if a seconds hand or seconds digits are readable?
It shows 10:59
